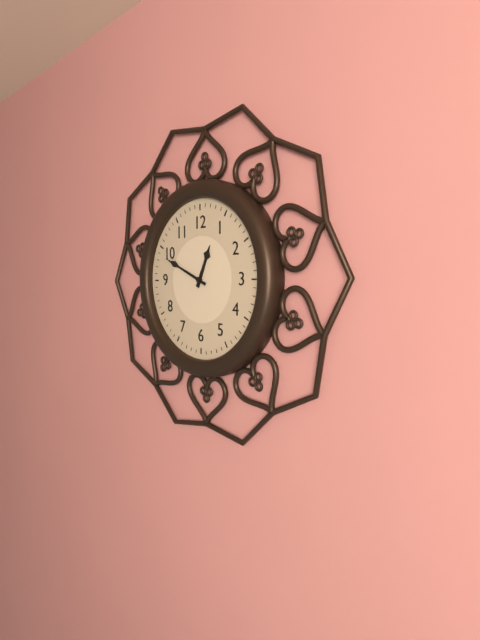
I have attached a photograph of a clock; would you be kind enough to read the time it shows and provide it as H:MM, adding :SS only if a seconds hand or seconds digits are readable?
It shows 12:49
